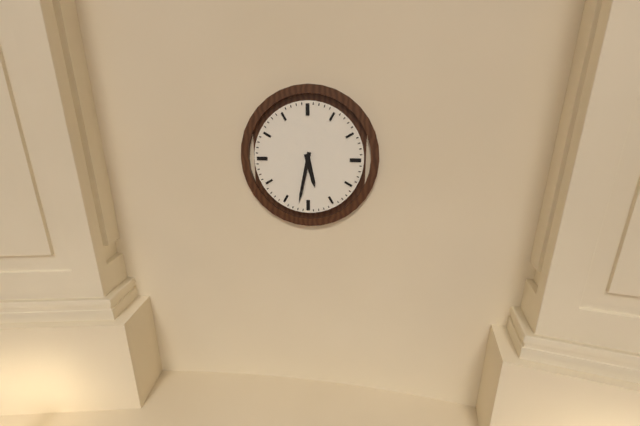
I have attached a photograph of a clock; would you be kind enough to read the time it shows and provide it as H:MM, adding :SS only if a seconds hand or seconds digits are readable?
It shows 5:32
